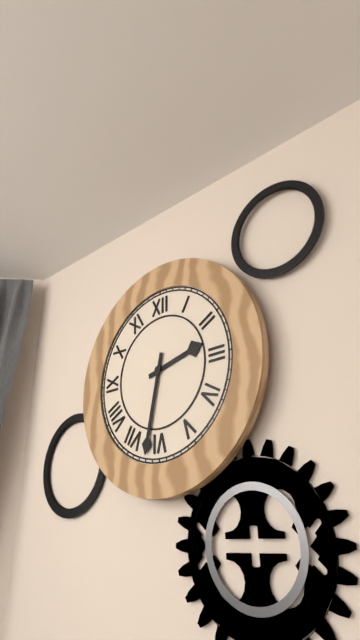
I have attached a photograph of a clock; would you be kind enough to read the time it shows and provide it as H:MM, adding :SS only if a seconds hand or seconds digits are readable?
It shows 2:32
